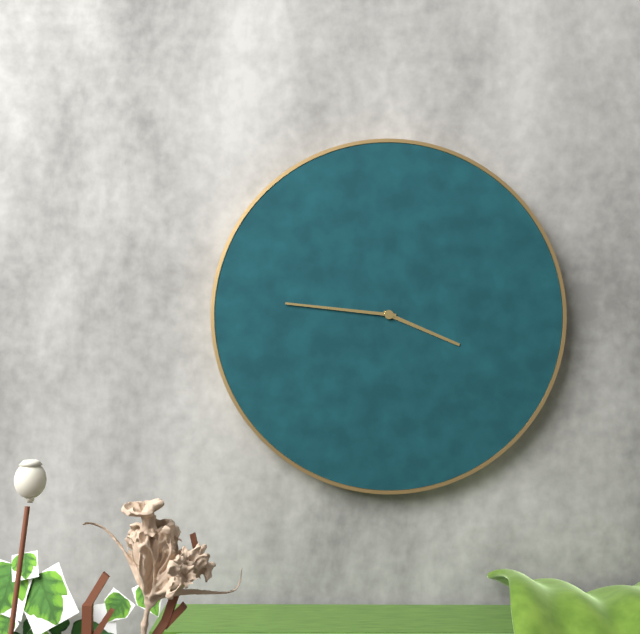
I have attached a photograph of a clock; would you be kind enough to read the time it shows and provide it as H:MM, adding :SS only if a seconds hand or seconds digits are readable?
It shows 3:46
